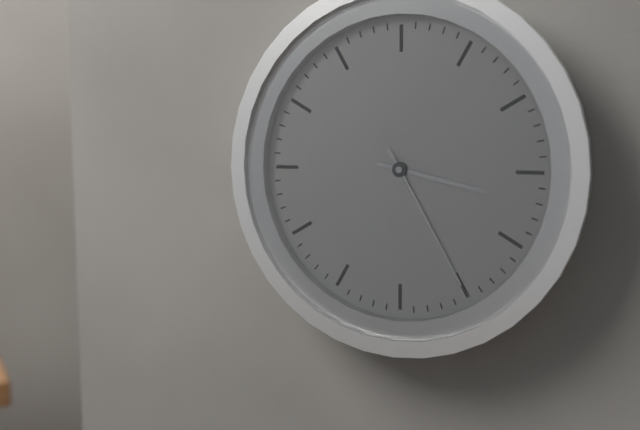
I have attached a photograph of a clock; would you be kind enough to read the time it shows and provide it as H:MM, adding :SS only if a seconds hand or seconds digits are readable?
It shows 3:25
